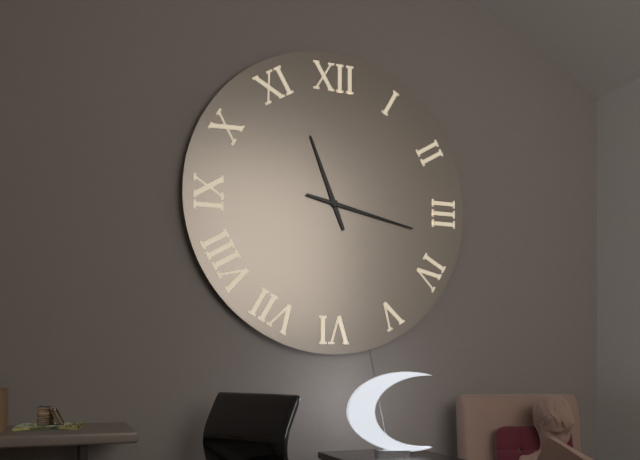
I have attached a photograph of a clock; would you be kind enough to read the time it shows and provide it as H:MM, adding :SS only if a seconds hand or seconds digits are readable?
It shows 11:17
